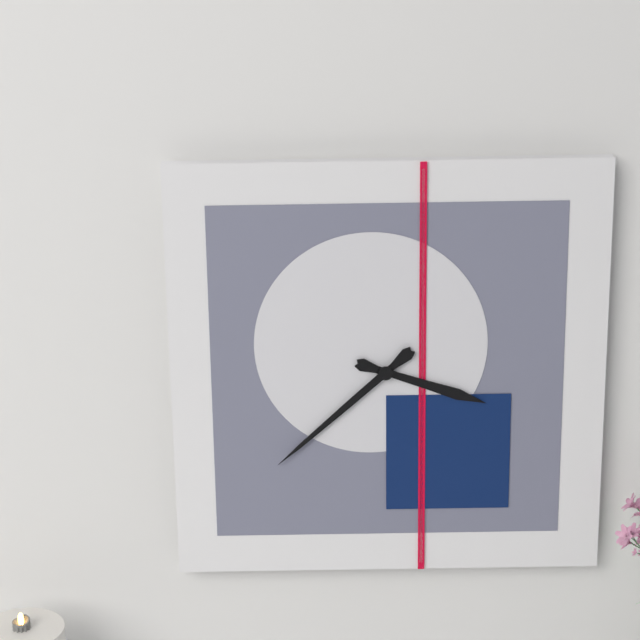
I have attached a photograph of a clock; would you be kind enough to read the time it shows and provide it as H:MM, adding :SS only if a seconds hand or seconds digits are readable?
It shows 3:38
